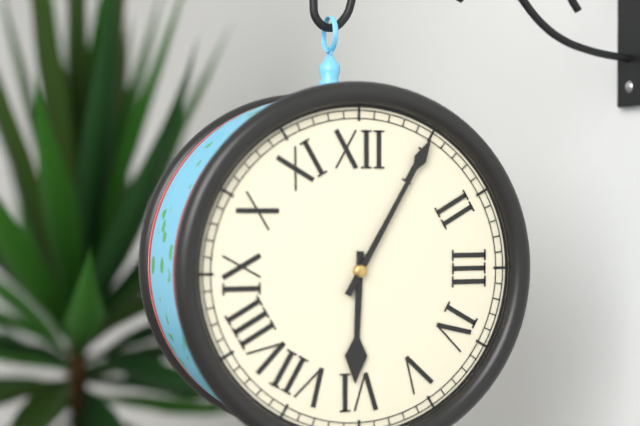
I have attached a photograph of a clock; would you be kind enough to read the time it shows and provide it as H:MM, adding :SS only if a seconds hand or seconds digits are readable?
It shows 6:05
